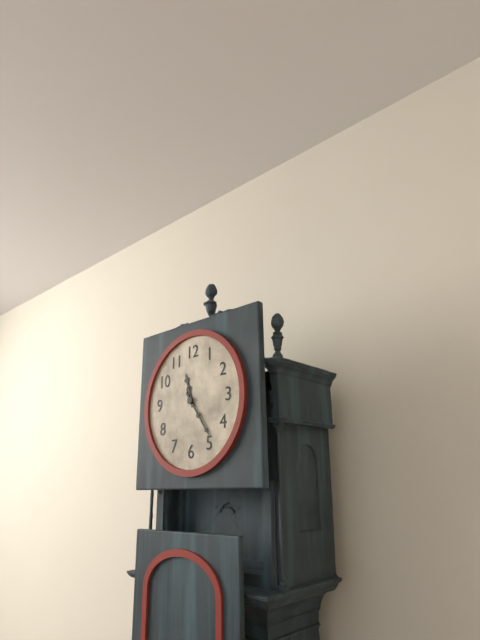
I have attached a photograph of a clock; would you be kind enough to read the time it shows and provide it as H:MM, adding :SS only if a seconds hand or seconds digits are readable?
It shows 11:24
